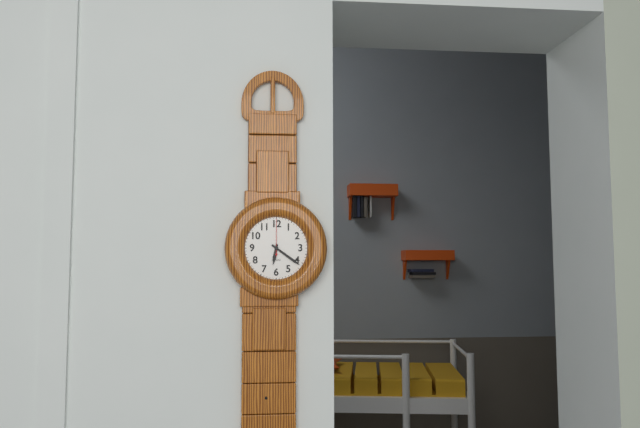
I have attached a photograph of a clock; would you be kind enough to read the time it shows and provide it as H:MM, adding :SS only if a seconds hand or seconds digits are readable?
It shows 6:21
